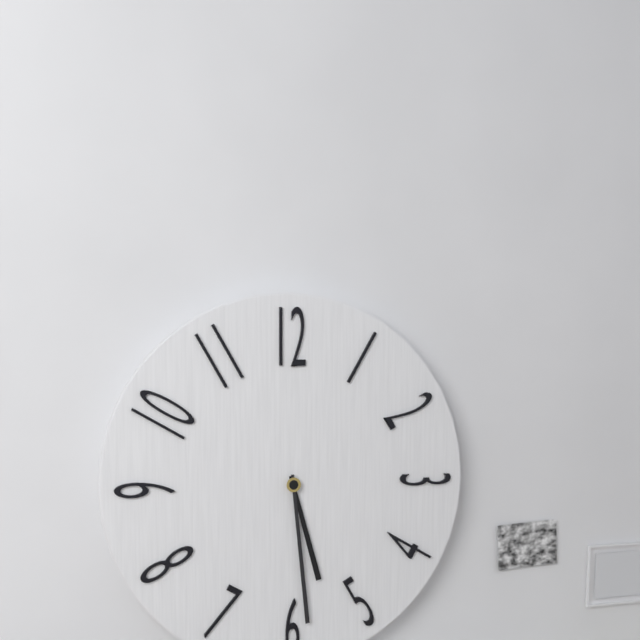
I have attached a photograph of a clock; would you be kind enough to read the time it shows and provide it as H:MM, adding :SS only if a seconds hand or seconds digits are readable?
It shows 5:29
